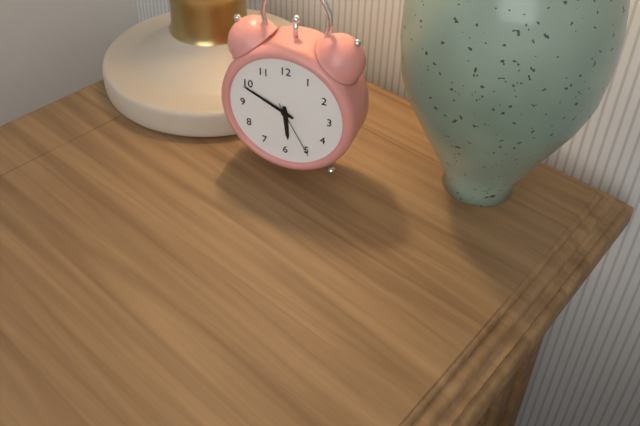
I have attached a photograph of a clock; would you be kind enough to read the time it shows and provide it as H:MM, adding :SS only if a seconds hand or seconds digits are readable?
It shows 5:49:25
